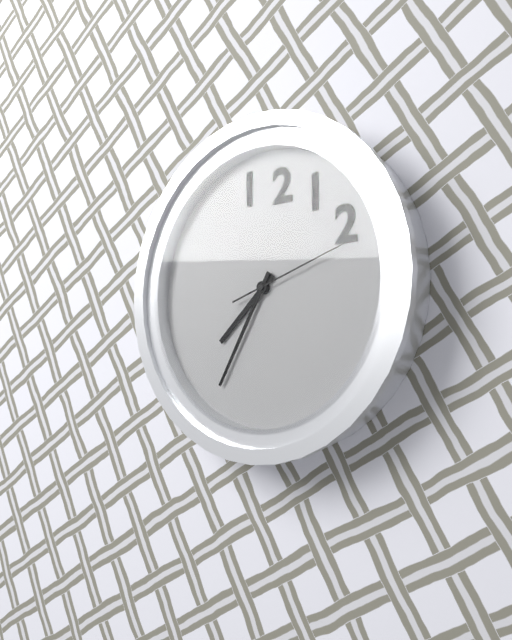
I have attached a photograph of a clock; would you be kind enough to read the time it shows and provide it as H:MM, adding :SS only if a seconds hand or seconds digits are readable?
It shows 7:35:12
